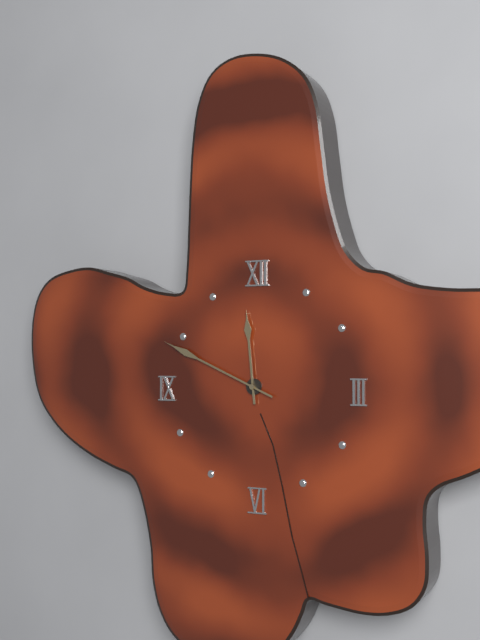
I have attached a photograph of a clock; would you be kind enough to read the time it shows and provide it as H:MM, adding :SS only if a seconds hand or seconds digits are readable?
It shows 11:49
